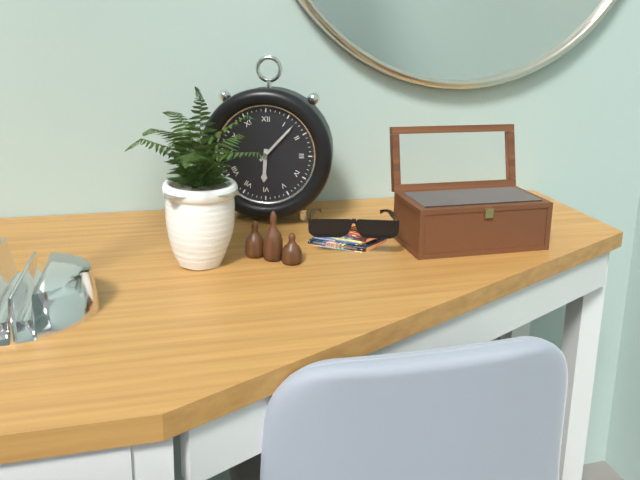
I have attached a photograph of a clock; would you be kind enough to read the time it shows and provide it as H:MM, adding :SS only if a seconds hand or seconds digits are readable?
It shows 6:07
